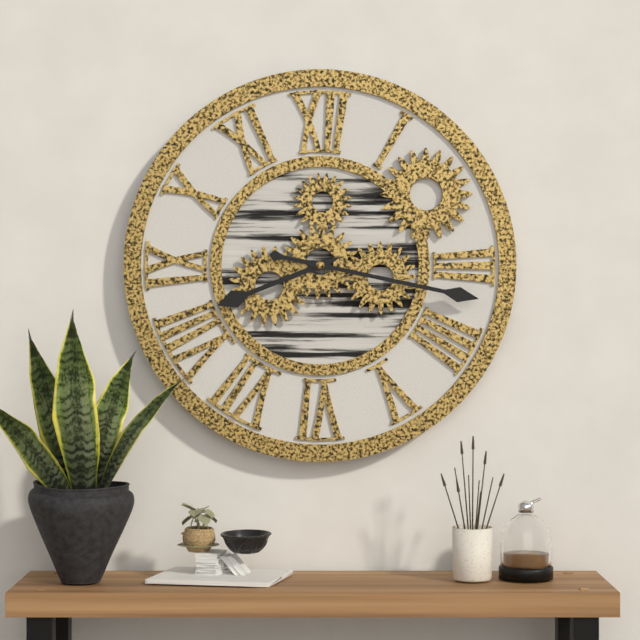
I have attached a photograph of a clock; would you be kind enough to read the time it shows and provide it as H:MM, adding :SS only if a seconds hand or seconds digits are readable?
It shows 8:17
